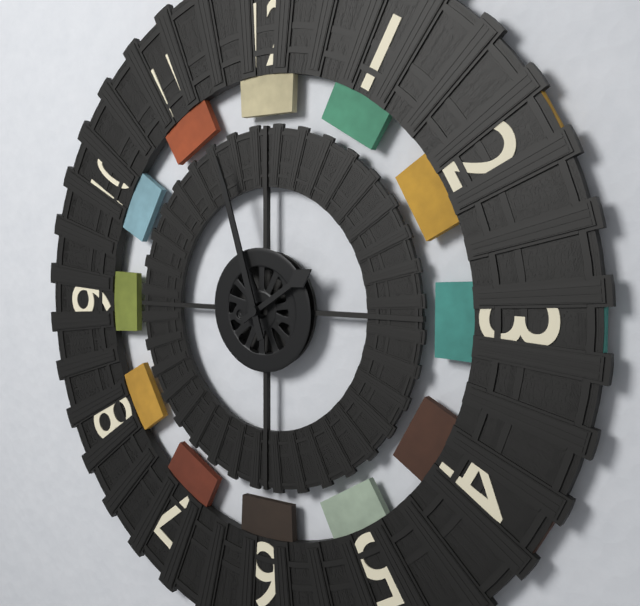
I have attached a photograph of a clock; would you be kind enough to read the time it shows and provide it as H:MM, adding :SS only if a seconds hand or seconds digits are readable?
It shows 1:57
